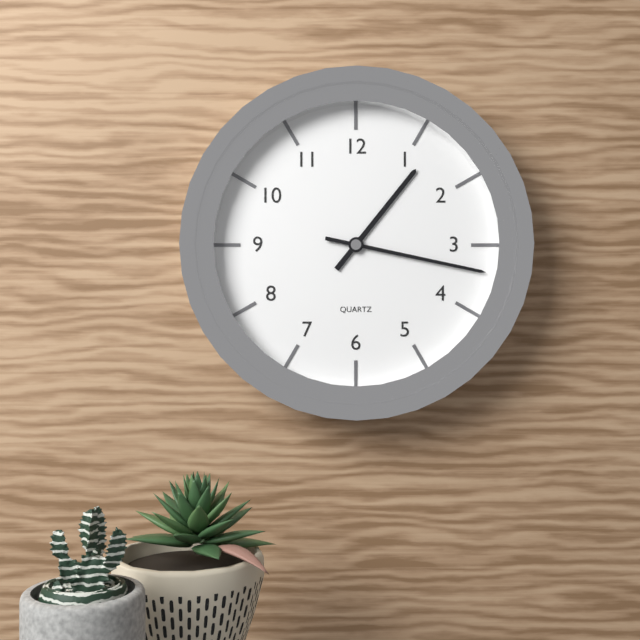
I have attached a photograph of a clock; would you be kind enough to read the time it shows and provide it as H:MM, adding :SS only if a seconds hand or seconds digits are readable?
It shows 1:17
